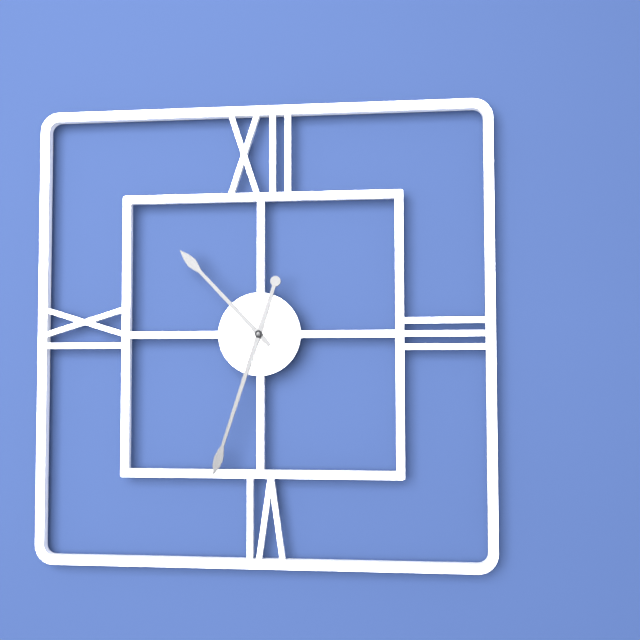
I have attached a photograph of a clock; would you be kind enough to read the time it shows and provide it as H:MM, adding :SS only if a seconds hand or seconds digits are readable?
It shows 10:33
